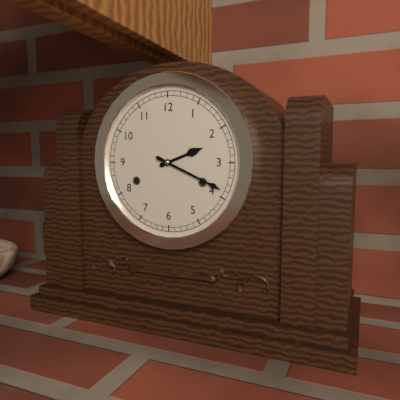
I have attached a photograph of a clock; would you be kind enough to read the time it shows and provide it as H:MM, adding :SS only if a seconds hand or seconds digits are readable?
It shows 2:19
